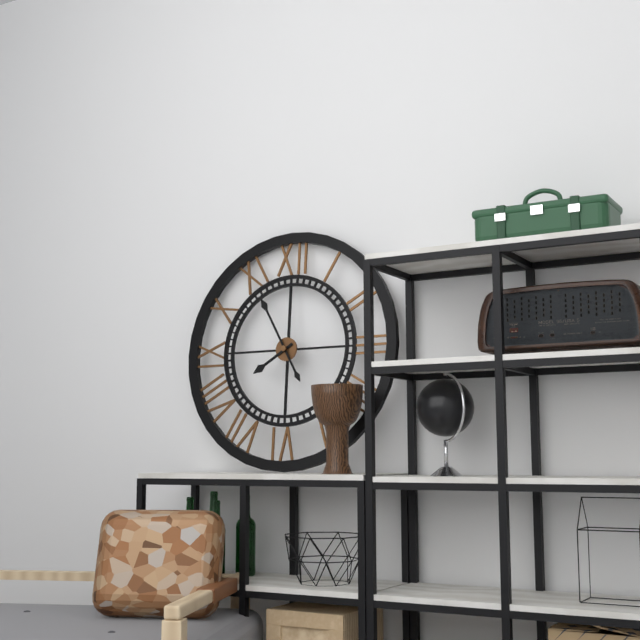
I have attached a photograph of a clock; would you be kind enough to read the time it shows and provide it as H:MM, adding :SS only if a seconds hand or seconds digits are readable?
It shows 7:55
